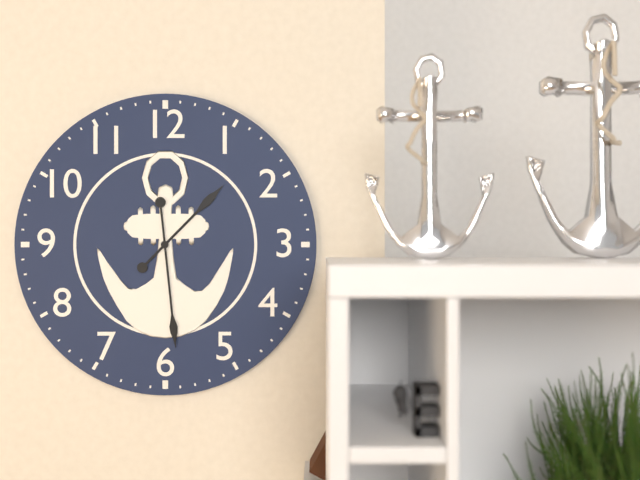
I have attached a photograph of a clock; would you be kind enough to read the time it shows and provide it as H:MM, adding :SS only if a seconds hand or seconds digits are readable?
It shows 1:29
